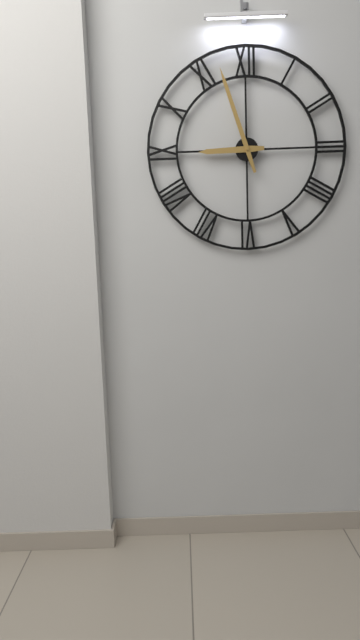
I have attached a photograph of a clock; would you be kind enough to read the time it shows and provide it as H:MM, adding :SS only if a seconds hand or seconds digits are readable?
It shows 8:57
